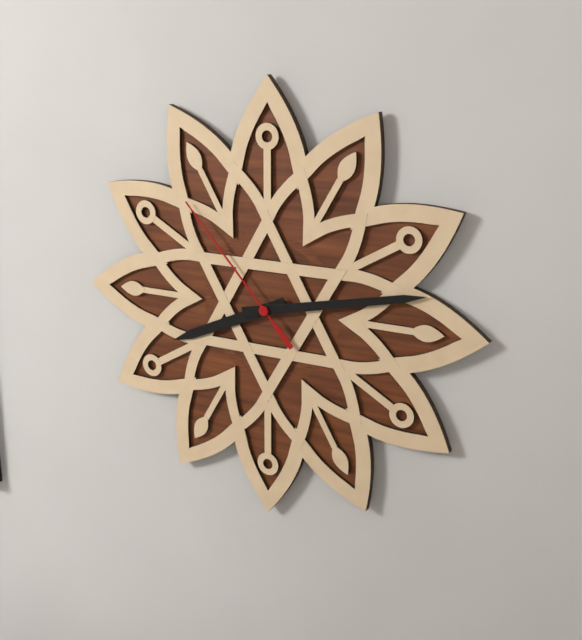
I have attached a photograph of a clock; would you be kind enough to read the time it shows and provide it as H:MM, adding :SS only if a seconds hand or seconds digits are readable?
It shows 8:13:53
